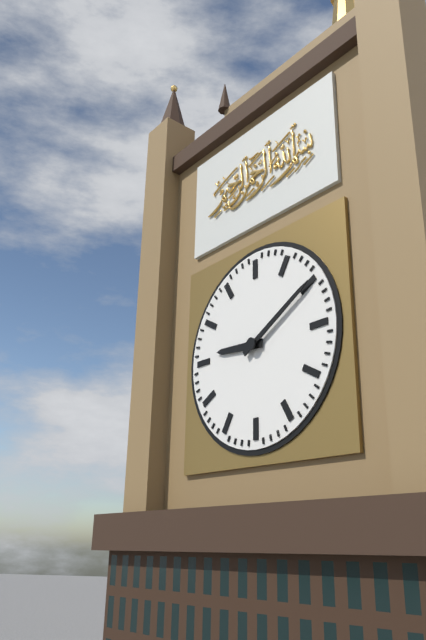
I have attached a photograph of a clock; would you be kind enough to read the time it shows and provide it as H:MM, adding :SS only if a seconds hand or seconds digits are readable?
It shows 9:10
